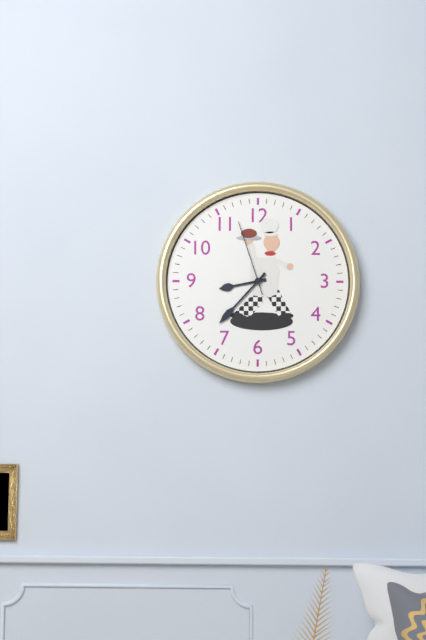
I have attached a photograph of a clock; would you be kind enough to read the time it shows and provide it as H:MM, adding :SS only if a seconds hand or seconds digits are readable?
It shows 8:37:57
